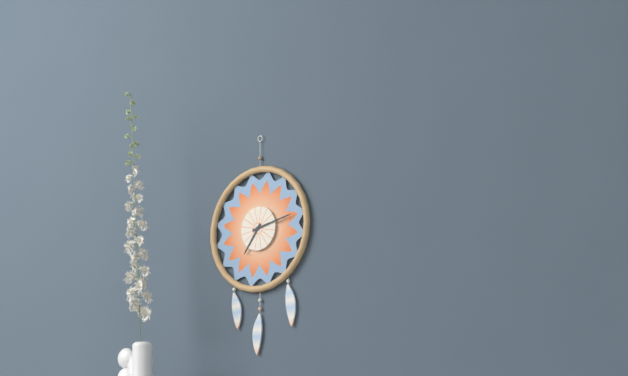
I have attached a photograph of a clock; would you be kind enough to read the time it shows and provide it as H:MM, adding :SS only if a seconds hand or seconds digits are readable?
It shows 7:13
